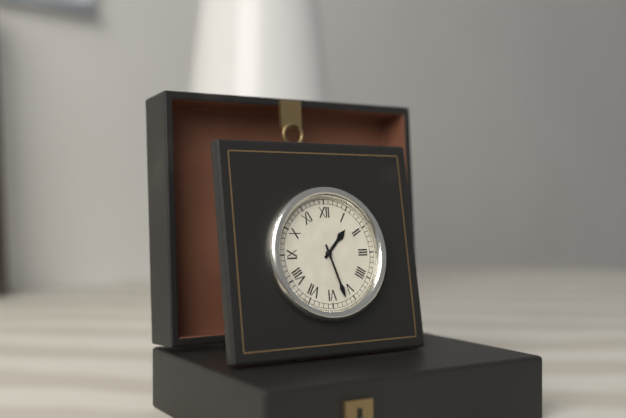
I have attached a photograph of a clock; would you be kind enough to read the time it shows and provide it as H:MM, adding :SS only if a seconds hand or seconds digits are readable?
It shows 1:27
